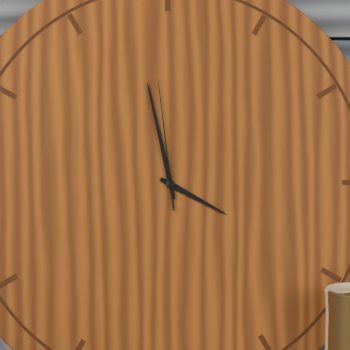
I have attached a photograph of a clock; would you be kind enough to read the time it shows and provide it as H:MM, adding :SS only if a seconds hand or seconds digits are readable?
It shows 3:58:59
